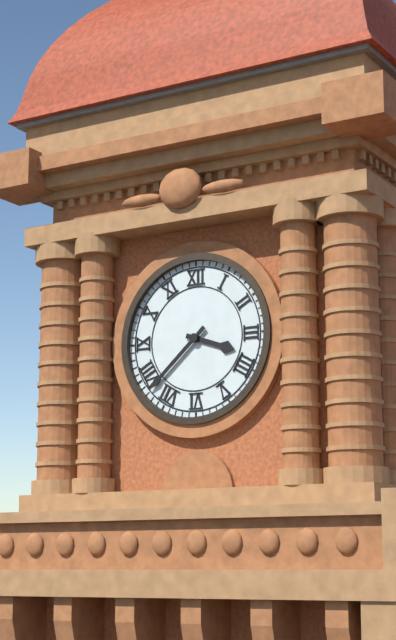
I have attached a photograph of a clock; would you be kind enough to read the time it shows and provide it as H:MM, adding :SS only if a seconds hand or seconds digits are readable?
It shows 3:38
